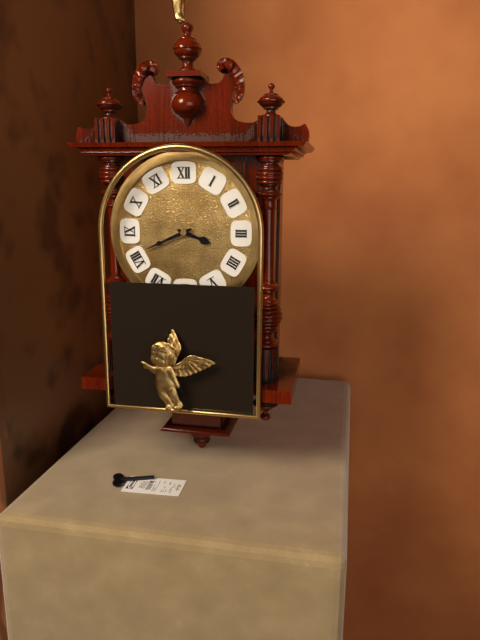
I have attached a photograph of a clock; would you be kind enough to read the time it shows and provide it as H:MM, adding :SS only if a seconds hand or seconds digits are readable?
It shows 3:41
